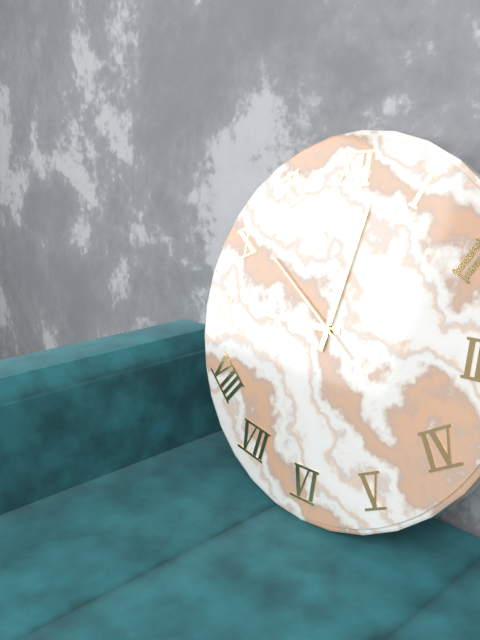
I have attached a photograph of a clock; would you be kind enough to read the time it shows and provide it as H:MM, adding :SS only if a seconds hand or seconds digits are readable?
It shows 9:02:51
